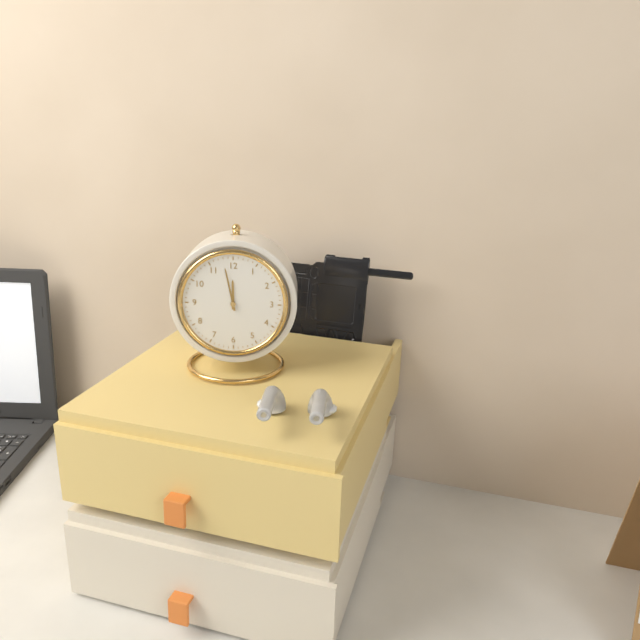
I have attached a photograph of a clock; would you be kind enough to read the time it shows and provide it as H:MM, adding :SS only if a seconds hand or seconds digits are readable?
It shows 11:58
